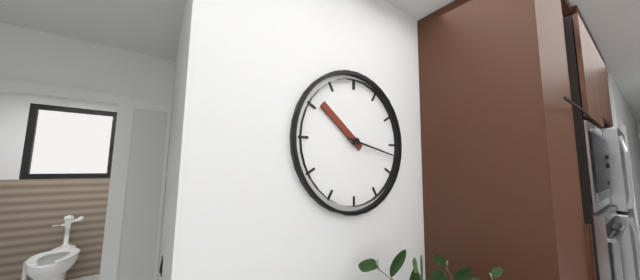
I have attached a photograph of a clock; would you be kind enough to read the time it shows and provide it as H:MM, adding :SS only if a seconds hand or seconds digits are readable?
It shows 10:17
